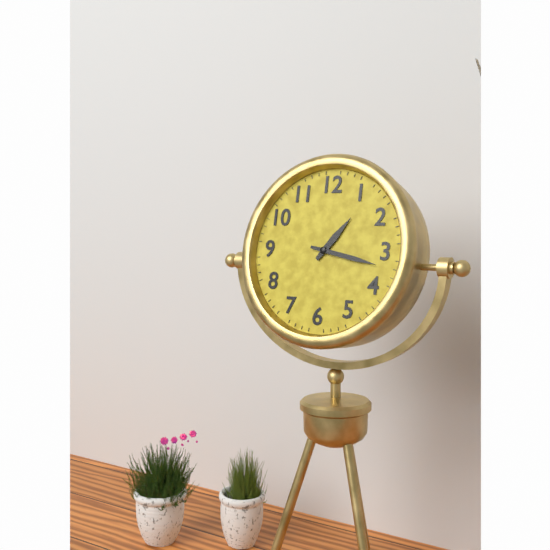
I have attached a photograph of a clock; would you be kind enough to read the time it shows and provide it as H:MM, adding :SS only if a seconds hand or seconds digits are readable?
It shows 1:17
